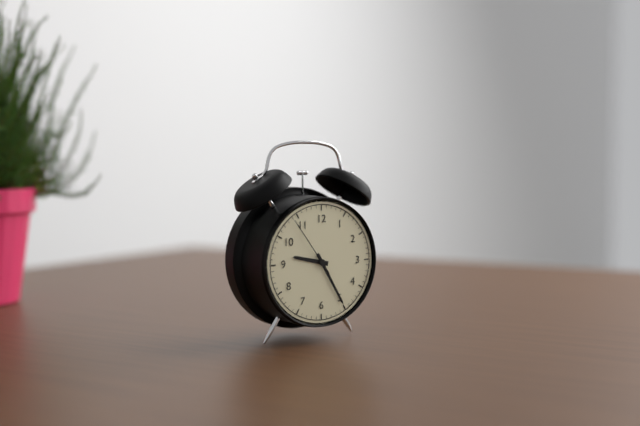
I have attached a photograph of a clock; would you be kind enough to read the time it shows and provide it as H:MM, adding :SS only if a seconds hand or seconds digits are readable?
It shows 9:25:54
